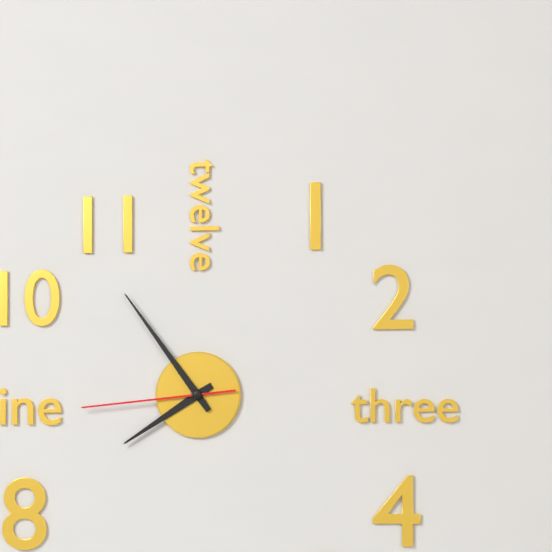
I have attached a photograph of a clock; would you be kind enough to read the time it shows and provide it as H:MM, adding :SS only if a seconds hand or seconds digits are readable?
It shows 7:54:44
